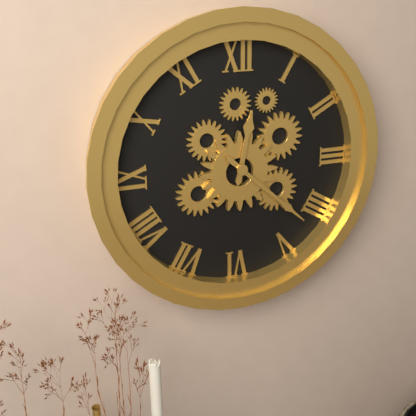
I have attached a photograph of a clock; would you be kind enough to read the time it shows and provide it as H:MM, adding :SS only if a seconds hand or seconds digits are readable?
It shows 12:22
